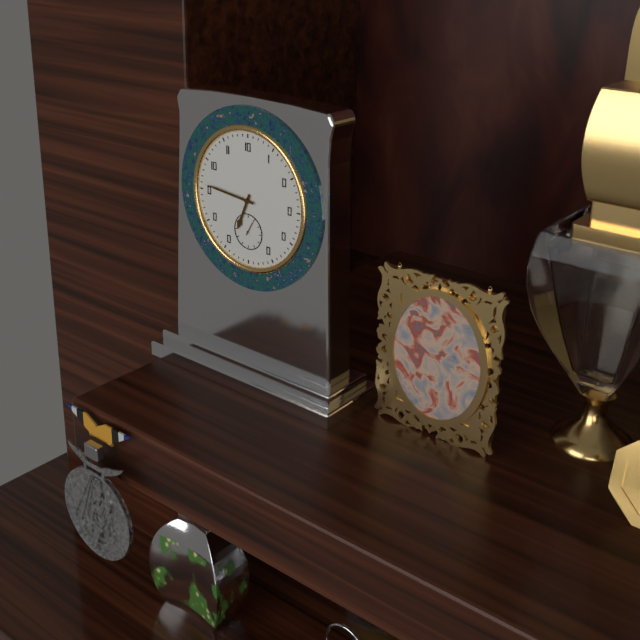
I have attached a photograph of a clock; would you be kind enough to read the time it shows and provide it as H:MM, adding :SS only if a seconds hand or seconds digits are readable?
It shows 6:46
